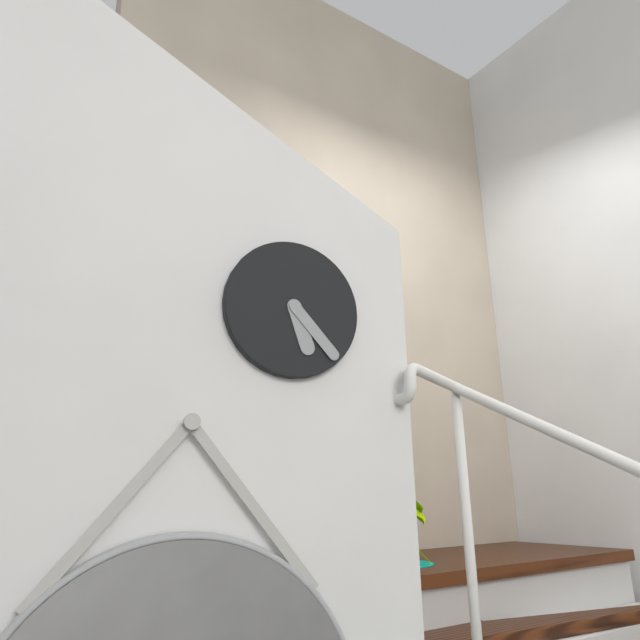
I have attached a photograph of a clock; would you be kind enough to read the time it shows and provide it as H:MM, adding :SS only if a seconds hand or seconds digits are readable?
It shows 5:23
